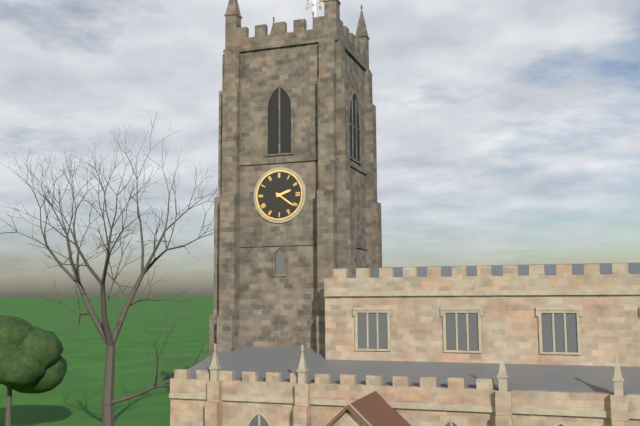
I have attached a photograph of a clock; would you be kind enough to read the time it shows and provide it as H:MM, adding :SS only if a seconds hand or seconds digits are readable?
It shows 2:21
